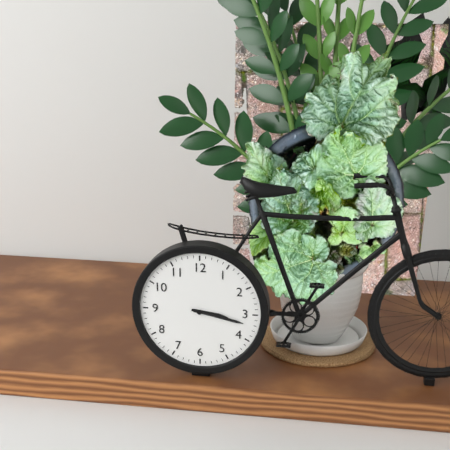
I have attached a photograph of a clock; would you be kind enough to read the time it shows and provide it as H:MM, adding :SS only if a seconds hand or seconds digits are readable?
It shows 3:17
